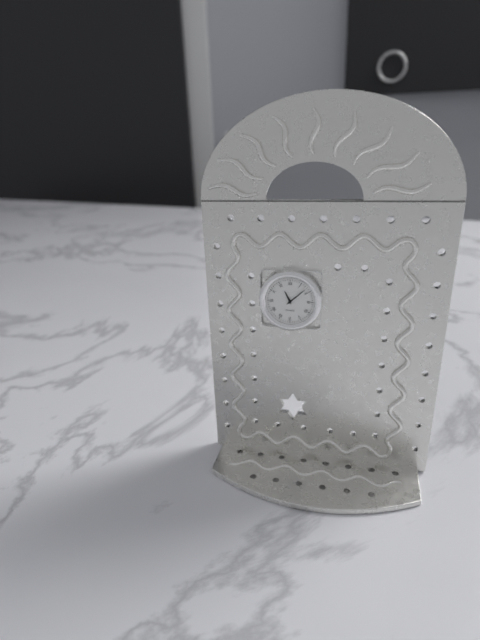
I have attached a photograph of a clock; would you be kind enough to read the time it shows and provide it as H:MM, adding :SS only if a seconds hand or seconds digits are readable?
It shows 11:08
